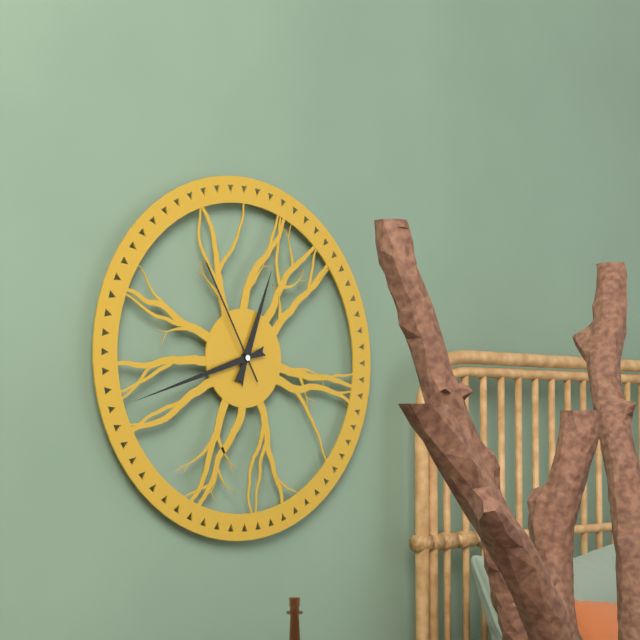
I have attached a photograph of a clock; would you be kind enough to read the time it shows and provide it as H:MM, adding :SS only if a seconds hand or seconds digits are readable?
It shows 12:42:55
